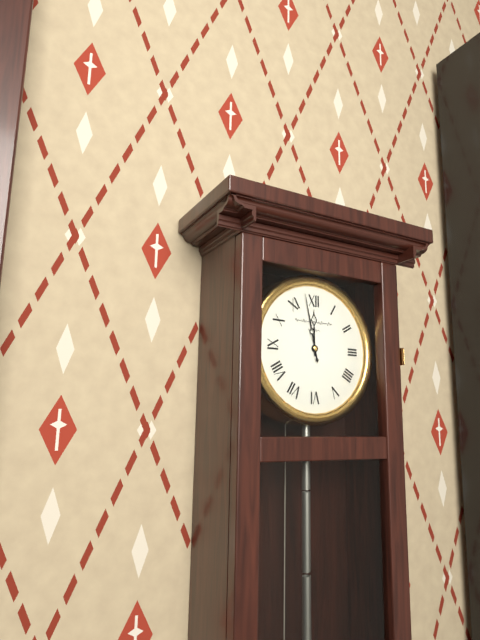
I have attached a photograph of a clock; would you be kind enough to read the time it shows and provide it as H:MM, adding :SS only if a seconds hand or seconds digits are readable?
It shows 11:58
